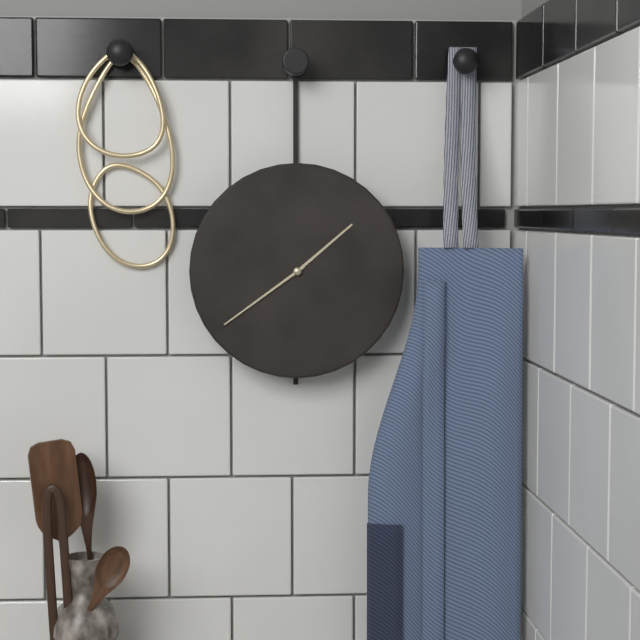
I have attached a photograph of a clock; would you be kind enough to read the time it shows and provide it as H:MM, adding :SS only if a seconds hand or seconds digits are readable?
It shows 1:39
